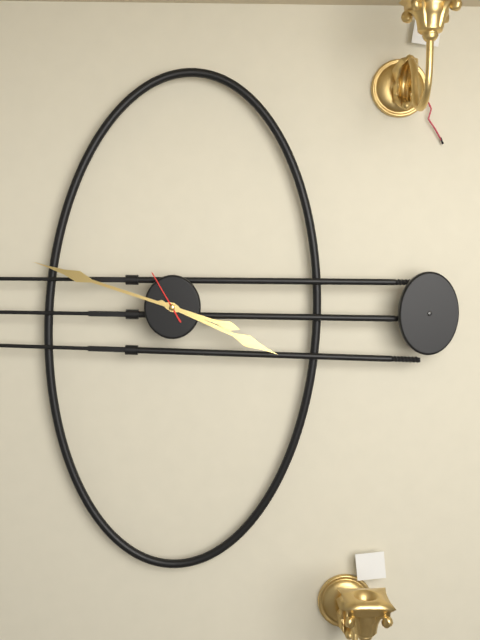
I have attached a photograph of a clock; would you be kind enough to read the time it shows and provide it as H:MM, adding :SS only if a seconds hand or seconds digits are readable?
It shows 3:48:55
